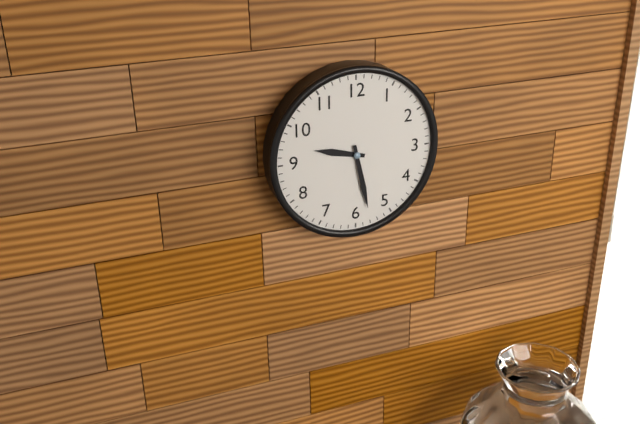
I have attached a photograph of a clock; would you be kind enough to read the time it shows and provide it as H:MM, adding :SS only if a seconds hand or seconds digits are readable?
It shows 9:28
